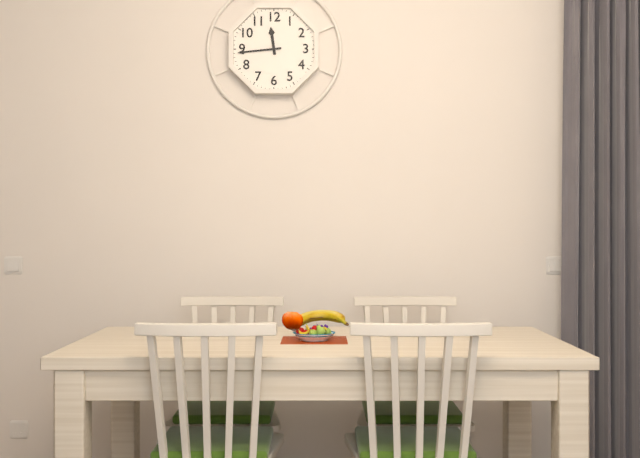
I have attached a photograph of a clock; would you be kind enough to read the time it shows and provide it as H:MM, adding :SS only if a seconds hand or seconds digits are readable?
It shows 11:44
